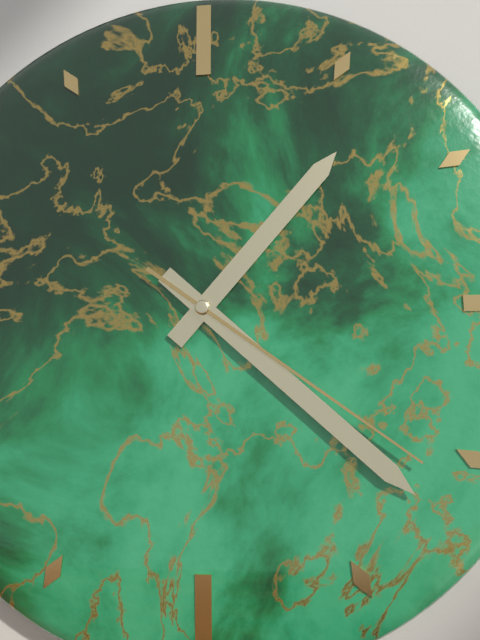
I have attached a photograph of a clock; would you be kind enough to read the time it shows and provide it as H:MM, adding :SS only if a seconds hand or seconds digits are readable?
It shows 1:22:21
